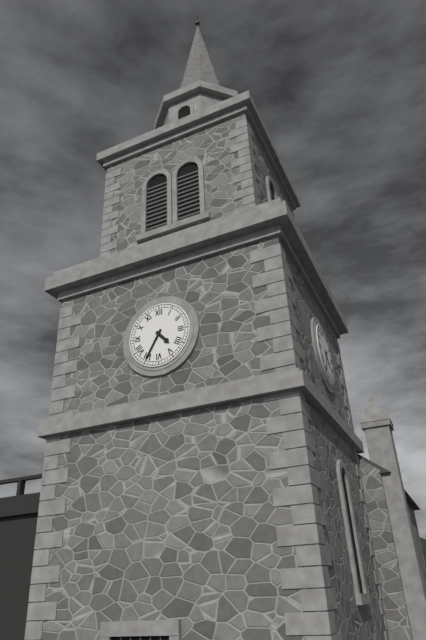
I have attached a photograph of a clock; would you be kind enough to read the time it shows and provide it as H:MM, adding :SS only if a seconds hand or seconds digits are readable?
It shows 4:35
